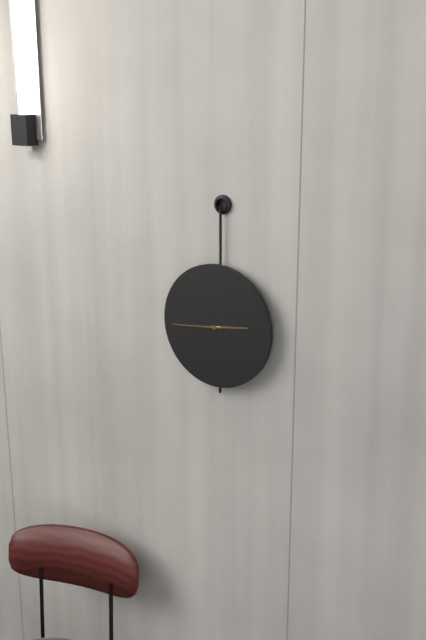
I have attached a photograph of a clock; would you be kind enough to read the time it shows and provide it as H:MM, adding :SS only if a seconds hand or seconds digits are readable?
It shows 2:44
